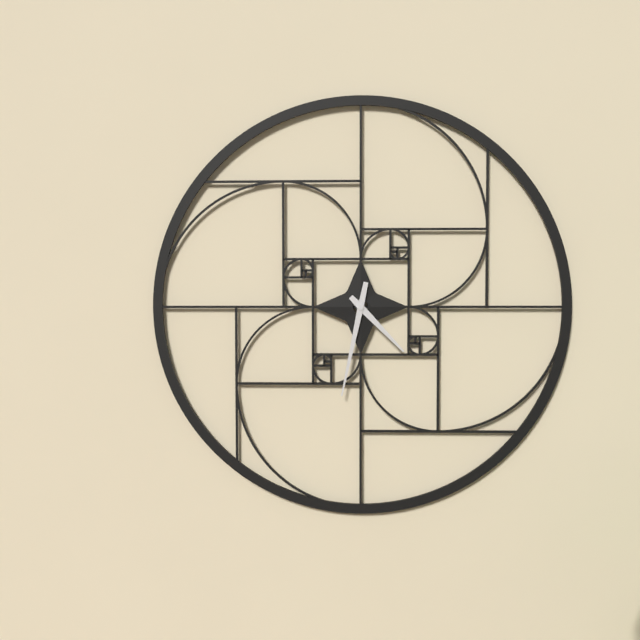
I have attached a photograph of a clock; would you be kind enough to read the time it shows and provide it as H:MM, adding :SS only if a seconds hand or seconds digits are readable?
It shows 4:32
